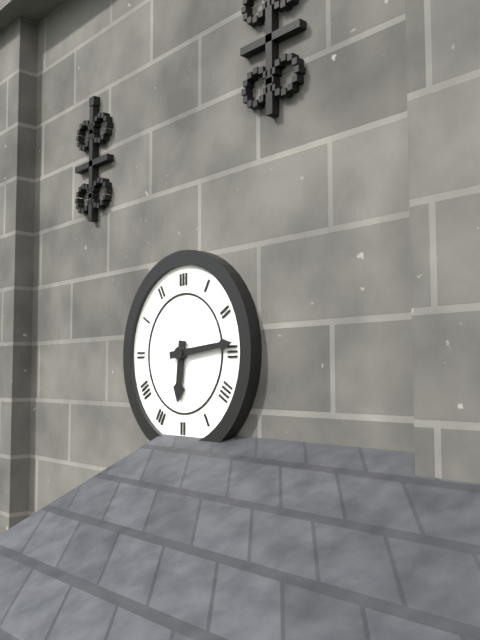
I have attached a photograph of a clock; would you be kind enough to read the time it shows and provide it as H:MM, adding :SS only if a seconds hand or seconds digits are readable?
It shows 6:14
